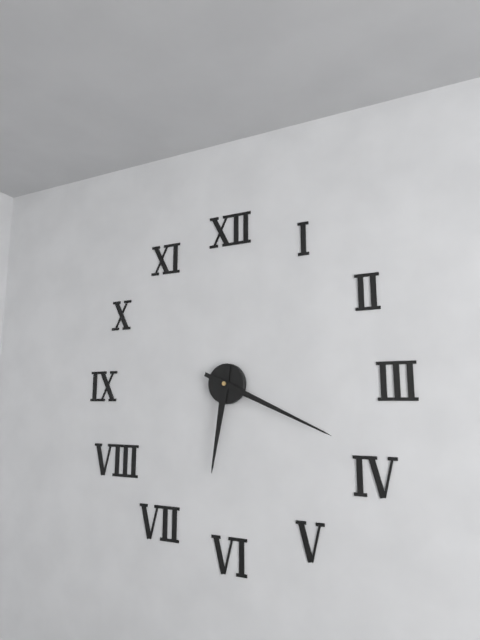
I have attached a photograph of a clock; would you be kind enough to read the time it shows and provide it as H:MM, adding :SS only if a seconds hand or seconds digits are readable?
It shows 6:19
